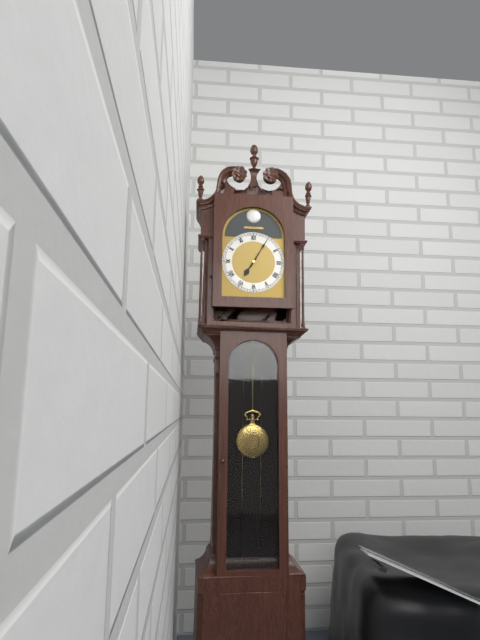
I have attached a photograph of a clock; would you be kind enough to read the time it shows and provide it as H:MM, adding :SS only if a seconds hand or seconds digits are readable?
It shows 7:05
